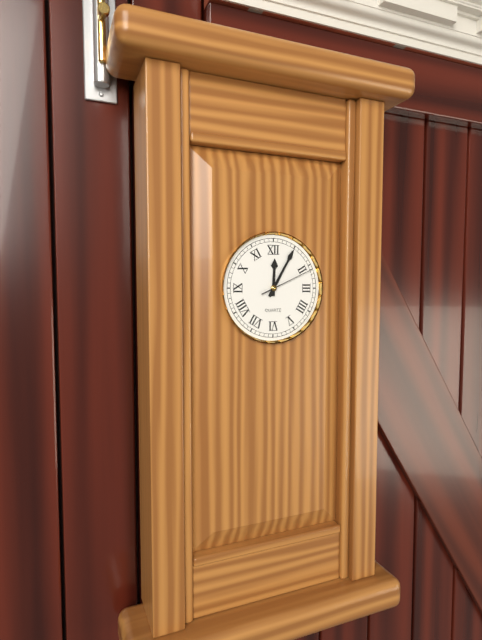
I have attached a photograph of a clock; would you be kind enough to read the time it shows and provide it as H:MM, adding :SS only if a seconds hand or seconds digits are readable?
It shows 12:05:11
